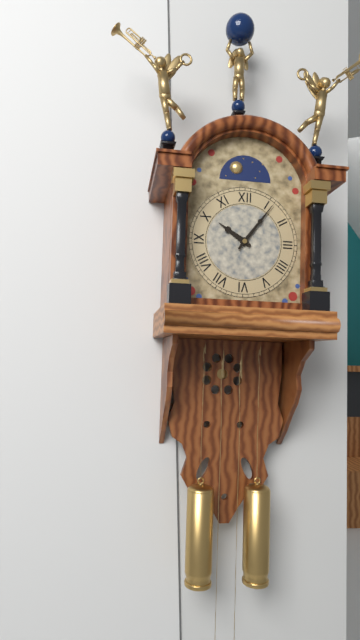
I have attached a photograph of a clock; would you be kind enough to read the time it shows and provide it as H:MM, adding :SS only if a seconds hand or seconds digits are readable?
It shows 10:06
